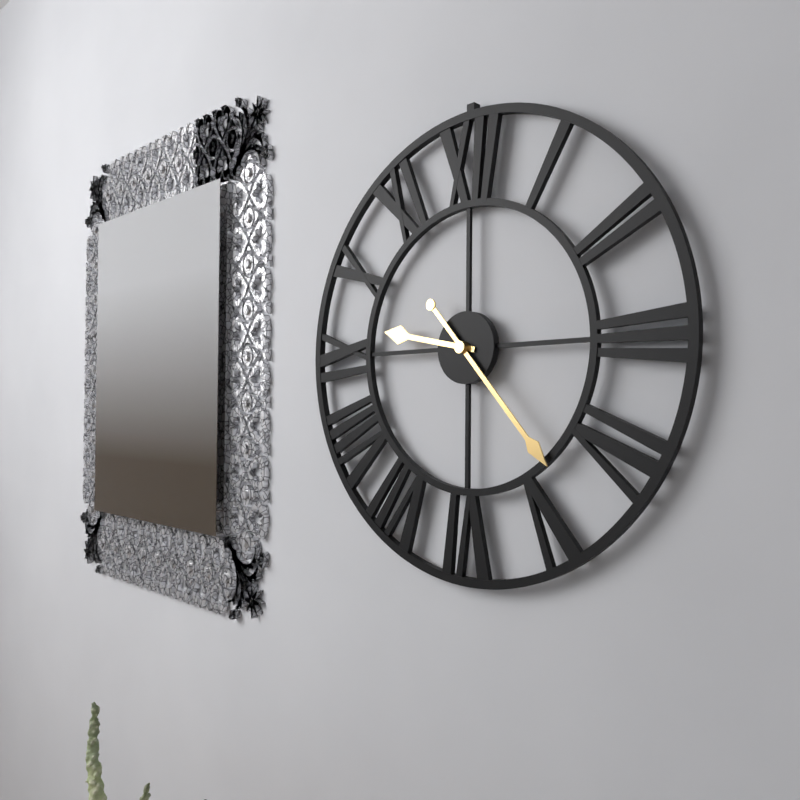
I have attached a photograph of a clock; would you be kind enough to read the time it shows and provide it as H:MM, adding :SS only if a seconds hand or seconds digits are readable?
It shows 9:23
